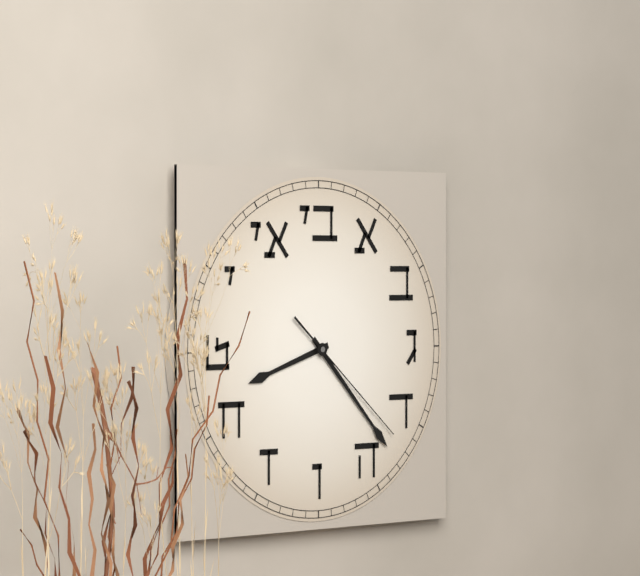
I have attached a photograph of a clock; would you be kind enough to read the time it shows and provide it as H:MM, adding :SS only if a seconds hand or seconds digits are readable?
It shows 8:23:22
